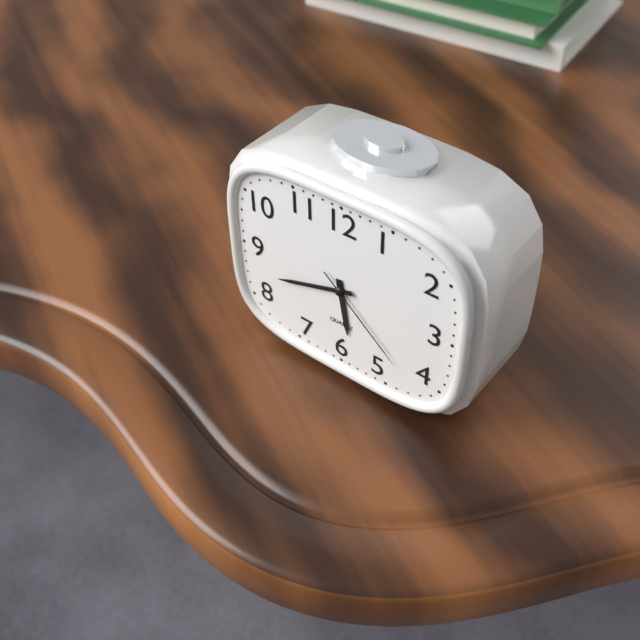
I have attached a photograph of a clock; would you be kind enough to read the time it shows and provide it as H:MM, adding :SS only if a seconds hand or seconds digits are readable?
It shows 5:42:22
